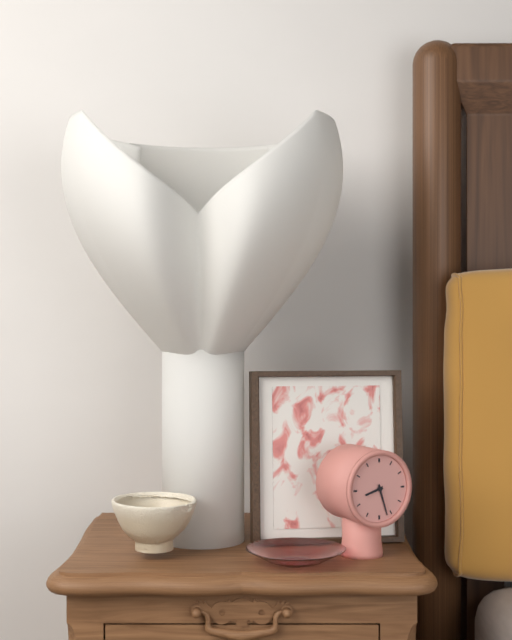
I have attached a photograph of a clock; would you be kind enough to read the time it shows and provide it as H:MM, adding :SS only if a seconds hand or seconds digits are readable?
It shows 8:27
